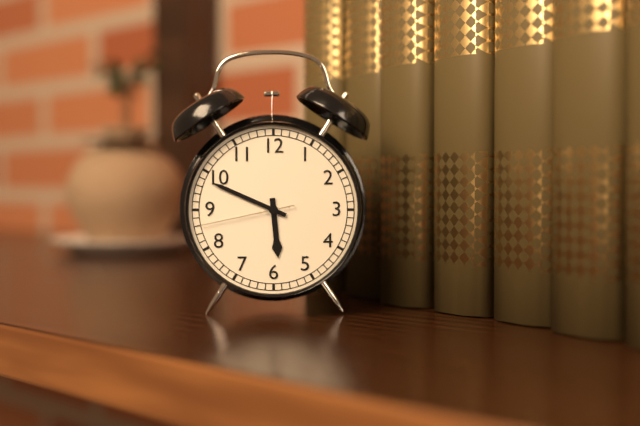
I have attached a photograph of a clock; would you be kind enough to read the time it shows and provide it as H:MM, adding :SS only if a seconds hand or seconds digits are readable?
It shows 5:49:43
